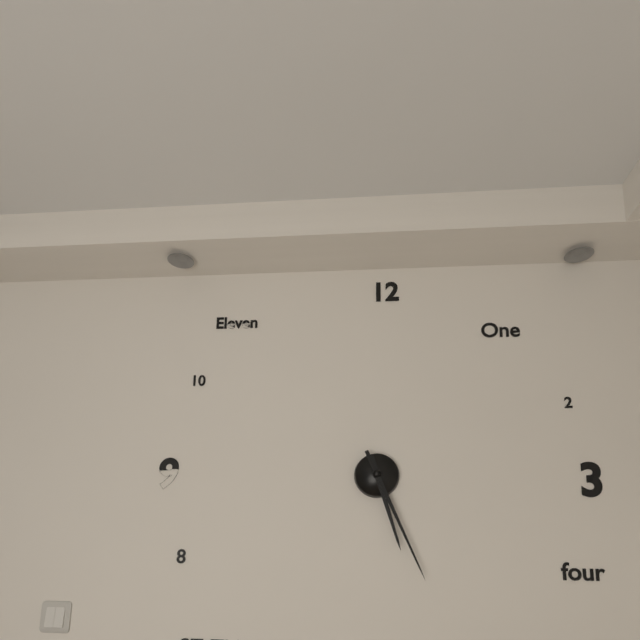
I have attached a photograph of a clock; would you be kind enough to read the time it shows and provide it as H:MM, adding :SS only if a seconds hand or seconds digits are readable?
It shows 5:26
